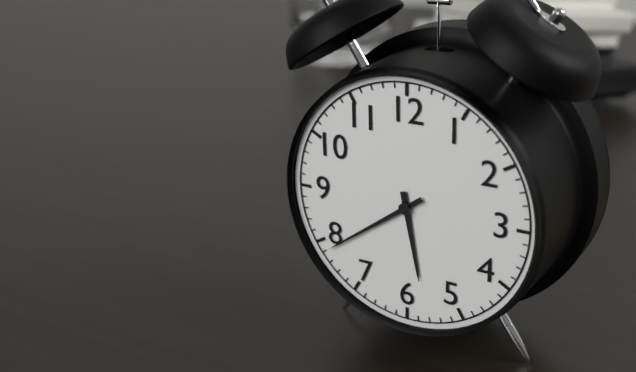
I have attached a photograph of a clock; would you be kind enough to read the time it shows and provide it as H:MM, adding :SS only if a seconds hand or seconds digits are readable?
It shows 5:39
